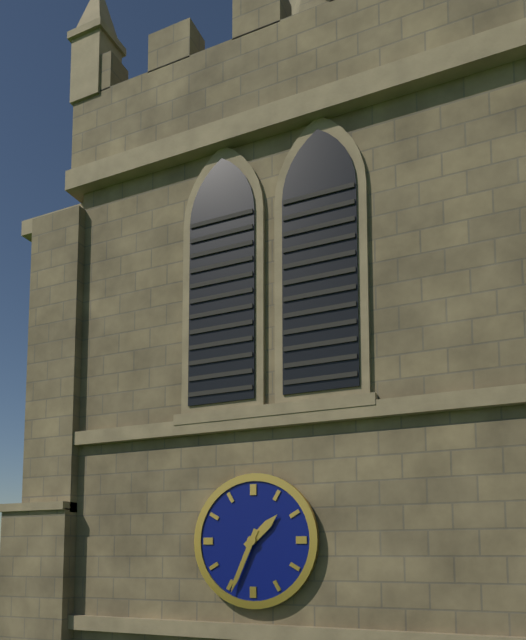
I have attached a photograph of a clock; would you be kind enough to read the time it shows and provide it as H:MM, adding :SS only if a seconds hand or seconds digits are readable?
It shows 1:34
